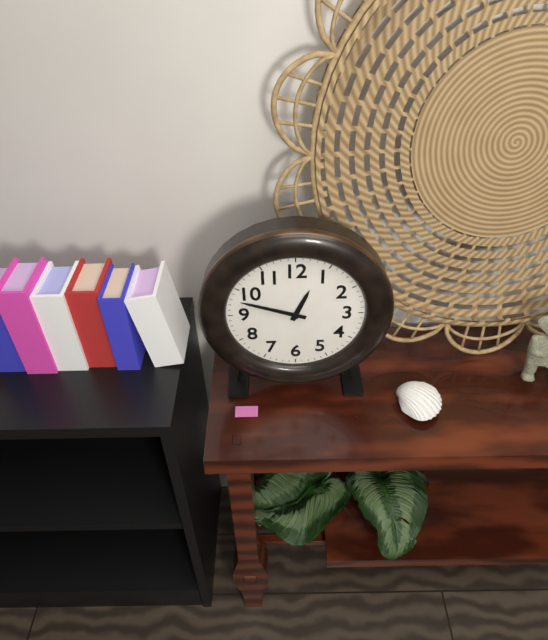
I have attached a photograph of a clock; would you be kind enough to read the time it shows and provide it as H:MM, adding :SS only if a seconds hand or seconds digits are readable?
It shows 12:48
